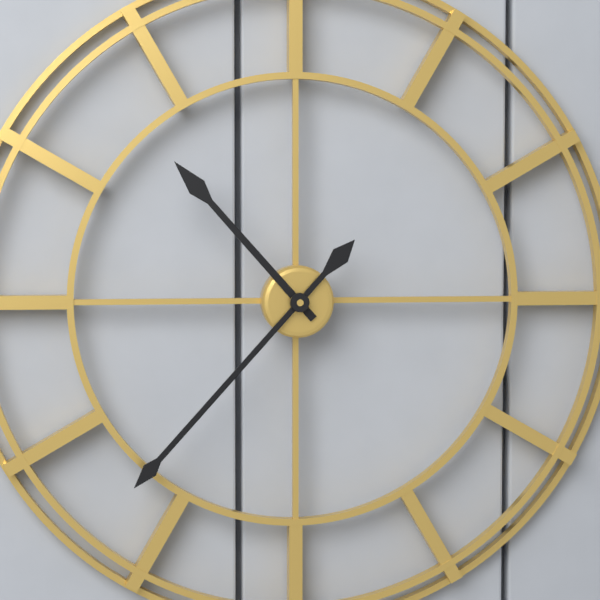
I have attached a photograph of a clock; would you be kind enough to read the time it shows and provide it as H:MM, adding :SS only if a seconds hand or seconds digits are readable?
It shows 10:37
